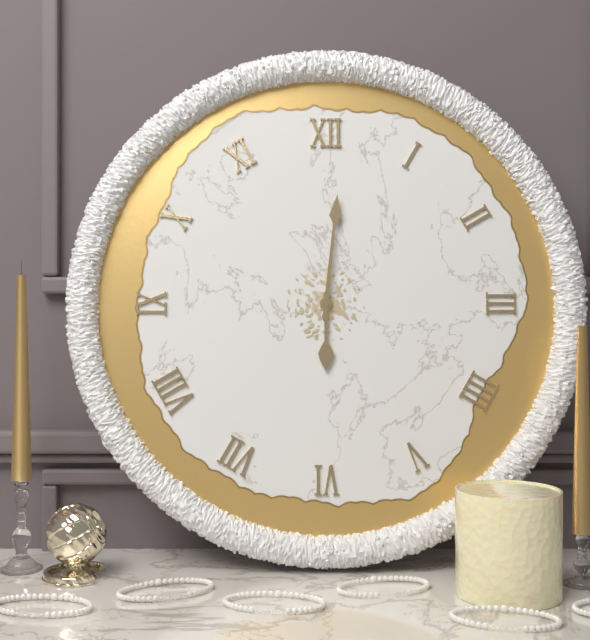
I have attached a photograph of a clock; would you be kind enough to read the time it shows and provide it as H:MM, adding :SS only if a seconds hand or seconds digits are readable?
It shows 6:01
